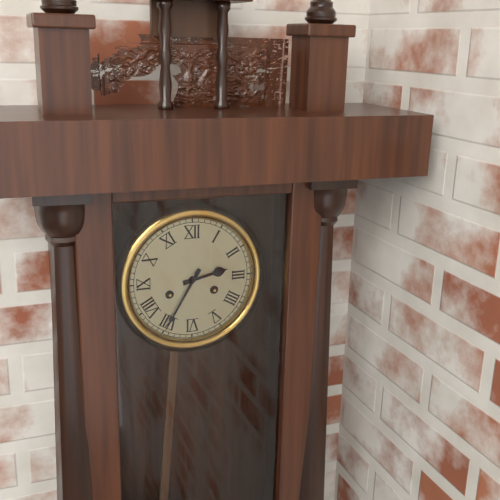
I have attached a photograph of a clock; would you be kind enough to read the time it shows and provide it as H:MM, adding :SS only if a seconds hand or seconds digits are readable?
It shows 2:35
